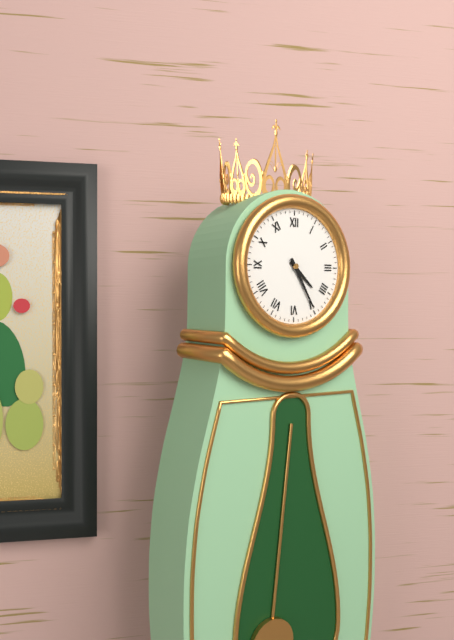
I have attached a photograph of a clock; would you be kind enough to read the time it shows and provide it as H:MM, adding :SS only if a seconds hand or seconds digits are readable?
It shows 4:25
